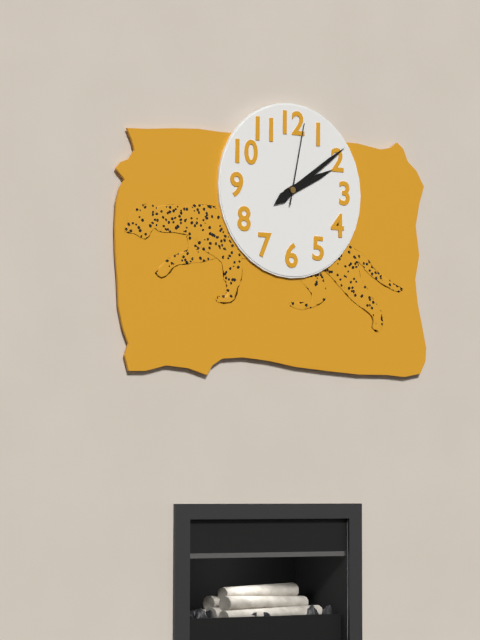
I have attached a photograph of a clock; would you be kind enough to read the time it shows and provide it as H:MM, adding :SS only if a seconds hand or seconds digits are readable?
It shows 2:09:02
